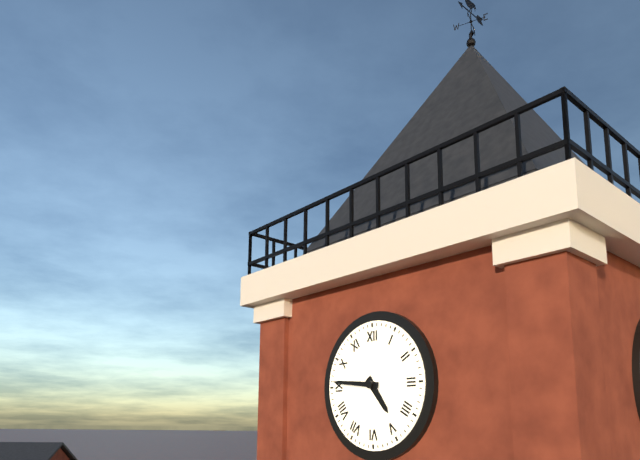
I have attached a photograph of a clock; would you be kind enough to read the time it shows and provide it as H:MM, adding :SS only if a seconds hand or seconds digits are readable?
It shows 4:46
